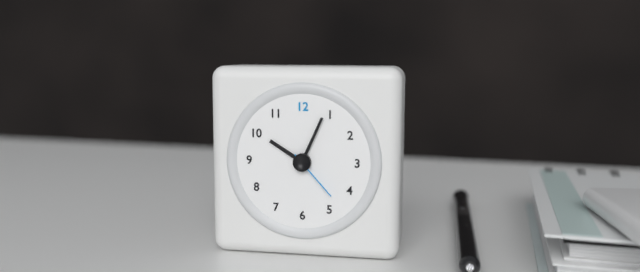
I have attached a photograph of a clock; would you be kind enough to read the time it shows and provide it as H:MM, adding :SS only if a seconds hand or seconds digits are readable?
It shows 10:04:23
